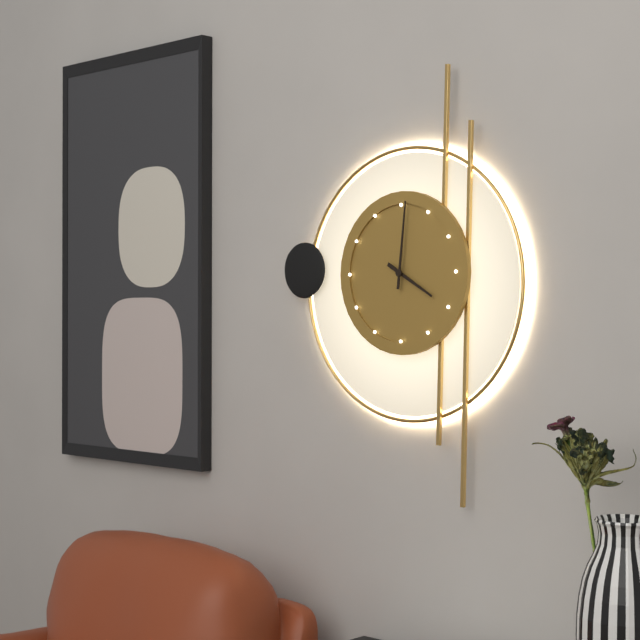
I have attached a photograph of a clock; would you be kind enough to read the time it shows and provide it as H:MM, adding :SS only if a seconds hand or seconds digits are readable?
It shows 4:01
